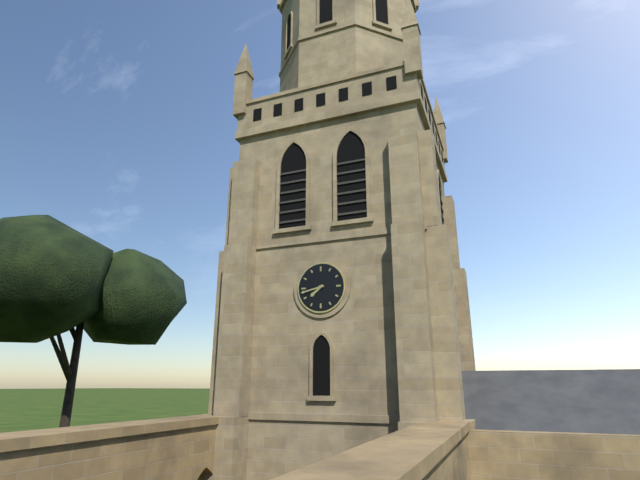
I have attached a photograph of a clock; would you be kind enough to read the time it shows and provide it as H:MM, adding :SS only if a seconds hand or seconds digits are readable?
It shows 7:43
